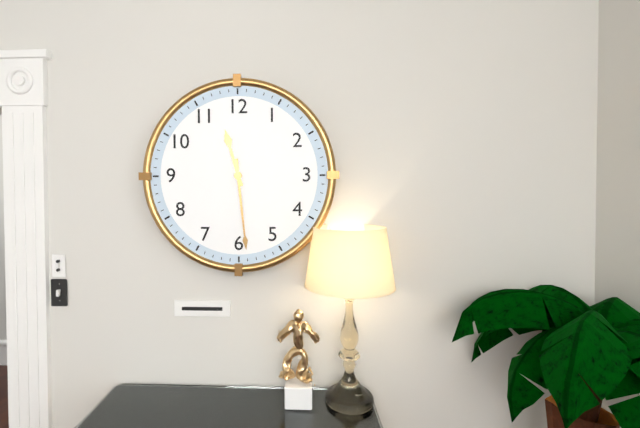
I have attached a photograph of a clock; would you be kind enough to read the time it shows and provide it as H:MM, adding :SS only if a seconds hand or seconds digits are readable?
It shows 11:29
